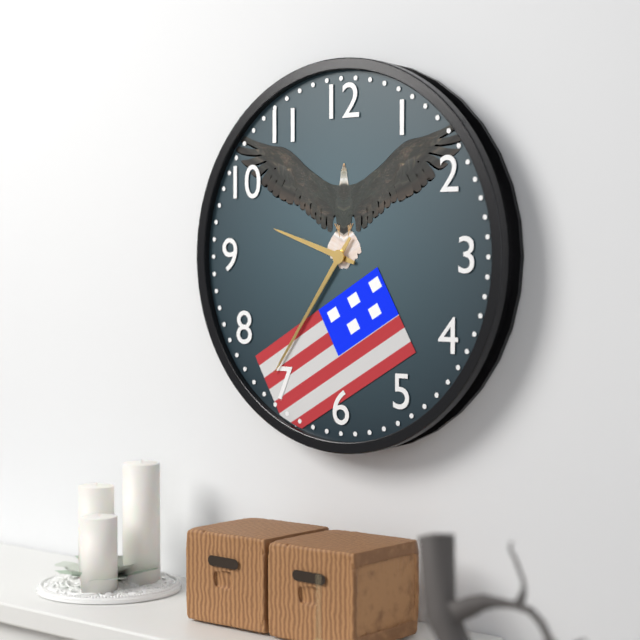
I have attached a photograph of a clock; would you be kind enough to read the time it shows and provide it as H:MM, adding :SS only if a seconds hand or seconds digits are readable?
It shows 9:36
